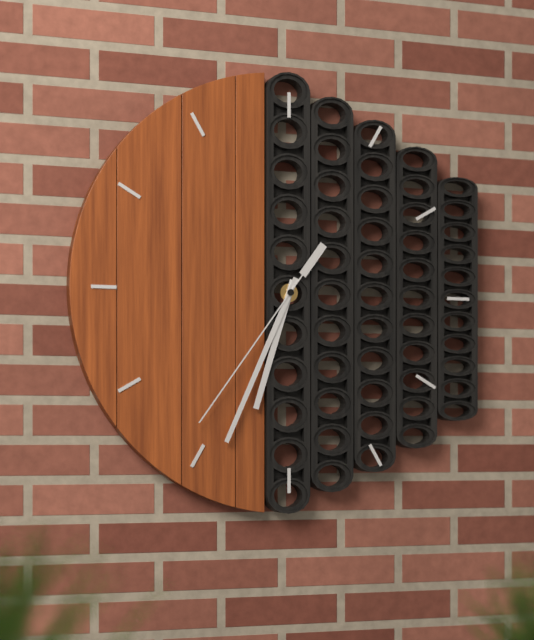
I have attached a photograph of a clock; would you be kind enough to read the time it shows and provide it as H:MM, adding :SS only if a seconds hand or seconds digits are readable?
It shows 6:34:36
